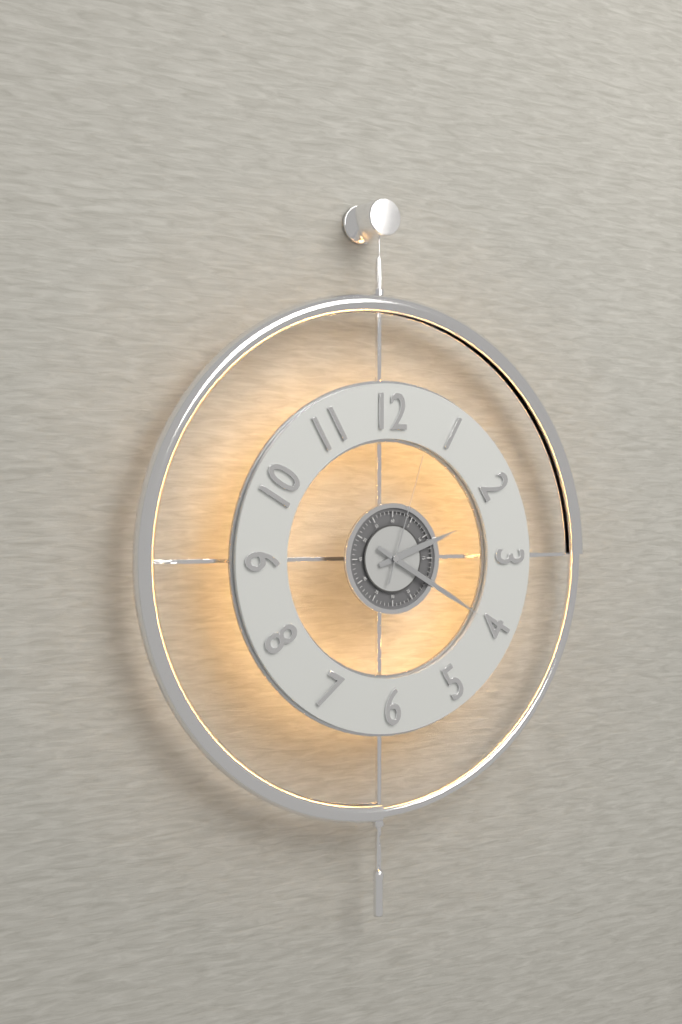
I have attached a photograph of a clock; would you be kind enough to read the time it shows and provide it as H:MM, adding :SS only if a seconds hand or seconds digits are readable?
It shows 2:20:03
